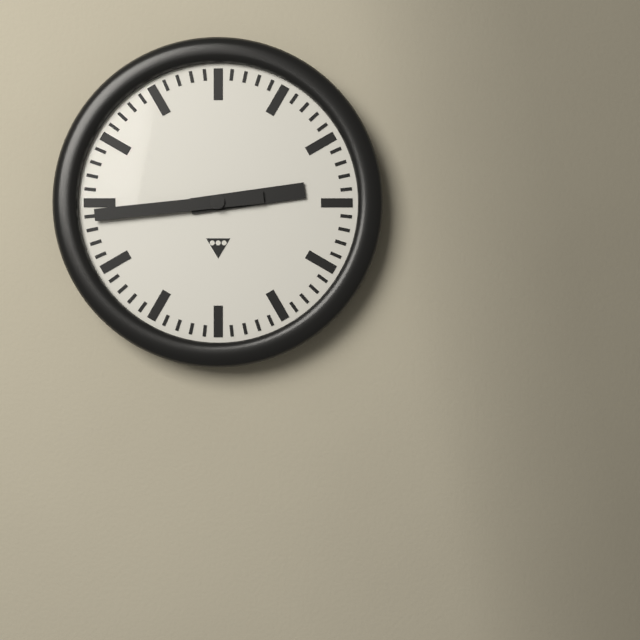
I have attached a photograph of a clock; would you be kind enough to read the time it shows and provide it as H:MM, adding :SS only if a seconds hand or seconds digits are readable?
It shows 2:44
